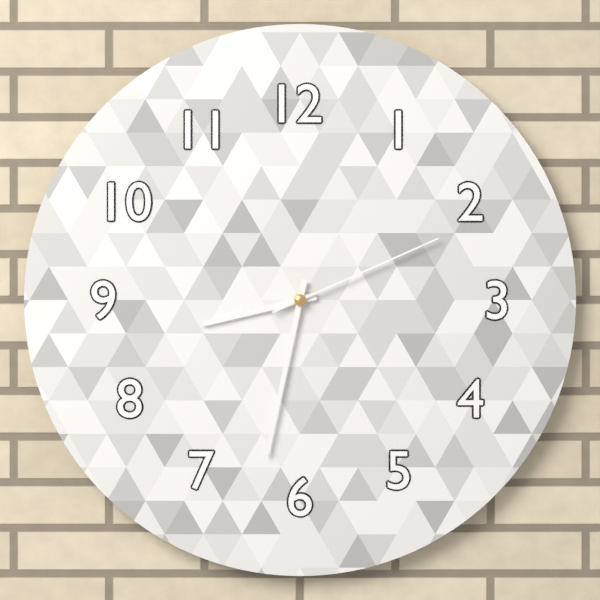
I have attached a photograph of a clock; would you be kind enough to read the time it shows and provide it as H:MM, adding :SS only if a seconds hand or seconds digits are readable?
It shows 8:32:11
